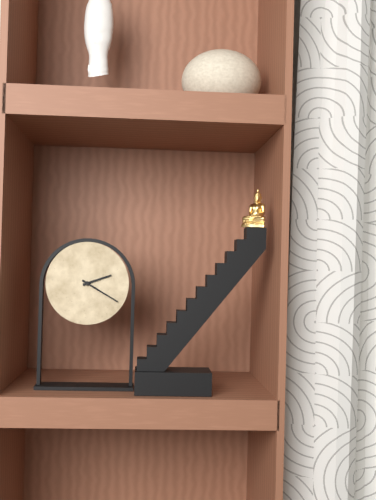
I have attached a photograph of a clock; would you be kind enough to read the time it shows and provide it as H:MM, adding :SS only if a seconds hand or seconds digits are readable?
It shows 2:20
